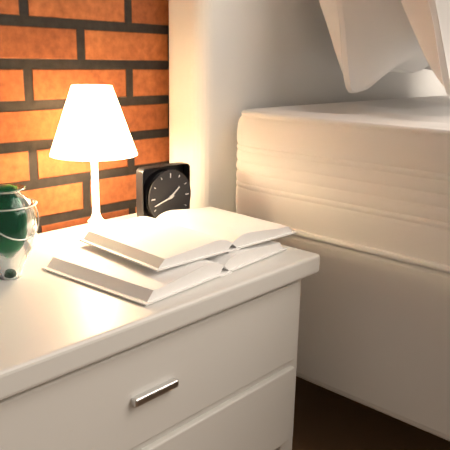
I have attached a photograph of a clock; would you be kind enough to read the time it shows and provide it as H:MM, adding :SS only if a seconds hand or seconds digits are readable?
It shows 1:42
